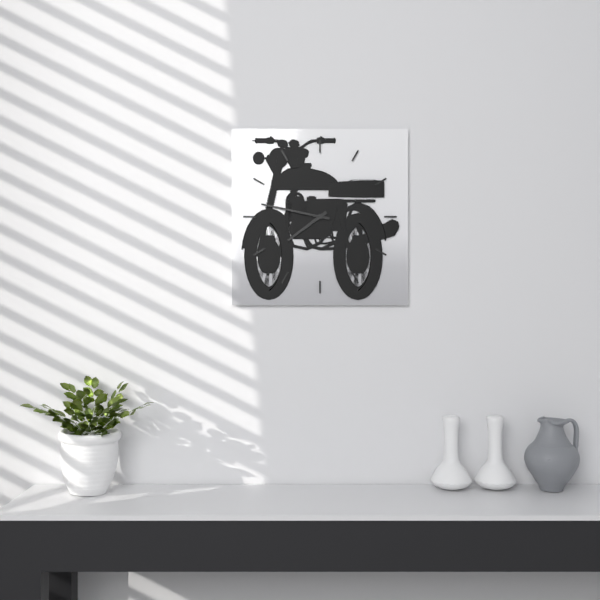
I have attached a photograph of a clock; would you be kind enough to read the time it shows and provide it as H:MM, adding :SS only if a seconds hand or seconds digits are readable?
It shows 7:47
